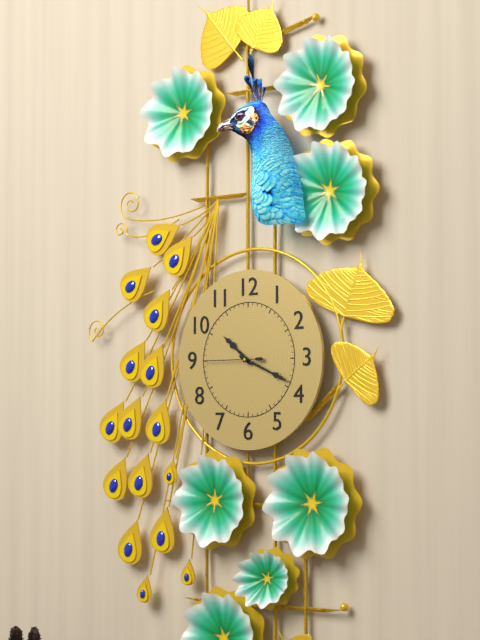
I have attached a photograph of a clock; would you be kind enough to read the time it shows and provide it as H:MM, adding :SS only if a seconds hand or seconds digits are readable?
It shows 10:19:45
